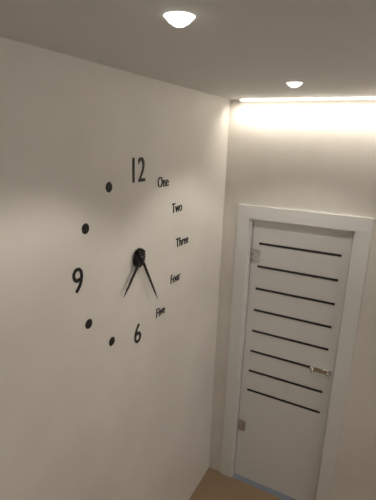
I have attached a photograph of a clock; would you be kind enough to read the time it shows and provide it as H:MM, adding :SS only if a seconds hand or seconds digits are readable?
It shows 7:25
